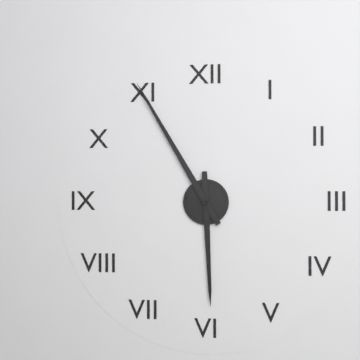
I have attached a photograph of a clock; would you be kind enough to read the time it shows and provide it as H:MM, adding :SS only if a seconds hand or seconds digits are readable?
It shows 5:55
